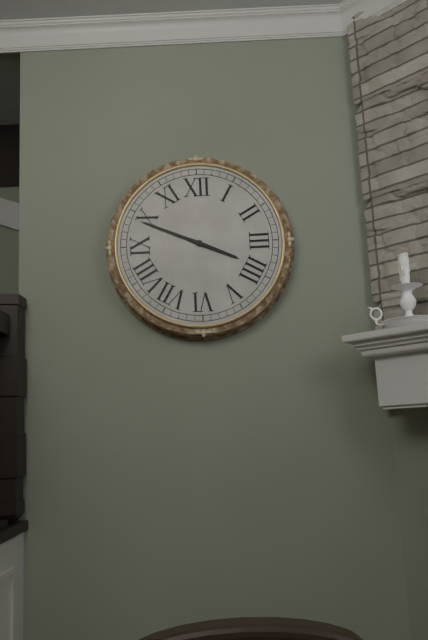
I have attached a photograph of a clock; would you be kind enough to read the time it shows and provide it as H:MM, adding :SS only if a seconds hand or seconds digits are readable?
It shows 3:49
